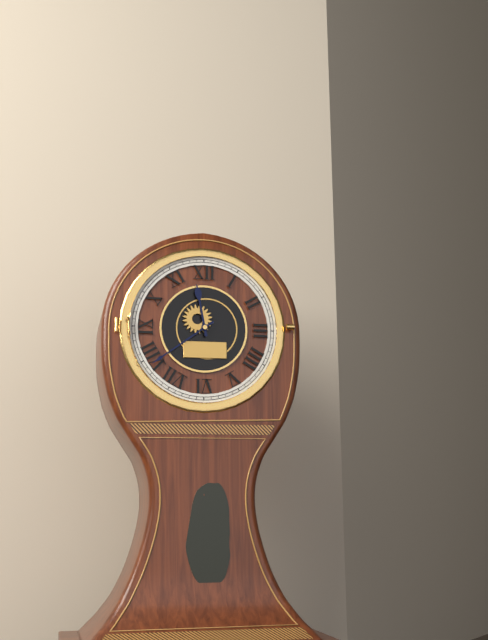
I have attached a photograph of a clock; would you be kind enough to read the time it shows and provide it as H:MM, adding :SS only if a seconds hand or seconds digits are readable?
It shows 11:39
